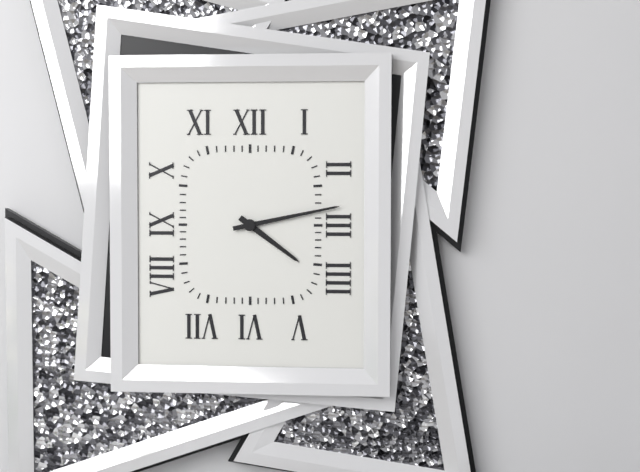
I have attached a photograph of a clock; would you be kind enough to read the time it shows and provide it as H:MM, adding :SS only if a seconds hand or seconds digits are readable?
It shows 4:13
